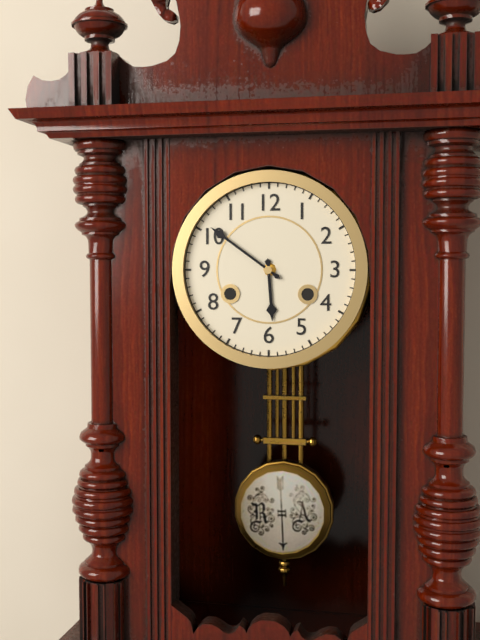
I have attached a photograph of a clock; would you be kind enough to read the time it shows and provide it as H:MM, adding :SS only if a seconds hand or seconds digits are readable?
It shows 5:51
